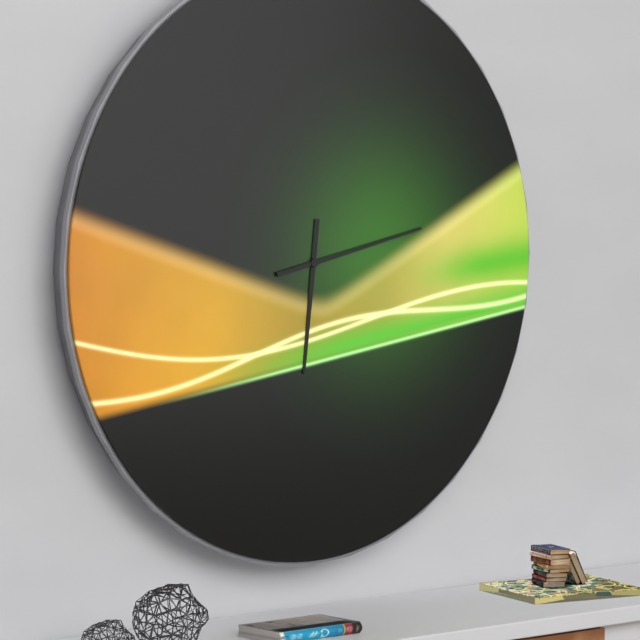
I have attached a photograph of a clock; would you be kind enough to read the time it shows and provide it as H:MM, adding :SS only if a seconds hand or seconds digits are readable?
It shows 6:13
